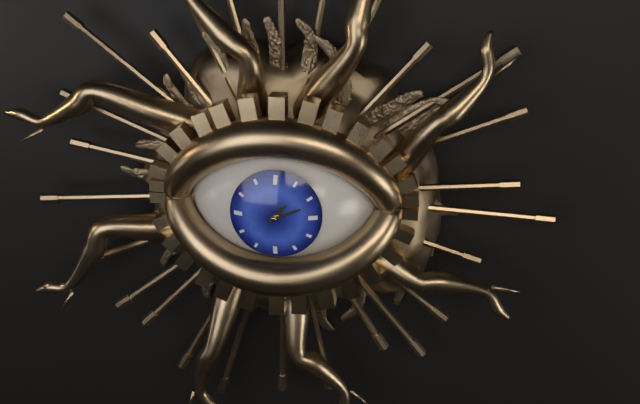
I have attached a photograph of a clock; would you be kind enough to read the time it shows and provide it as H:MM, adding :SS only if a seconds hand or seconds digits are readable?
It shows 1:11
